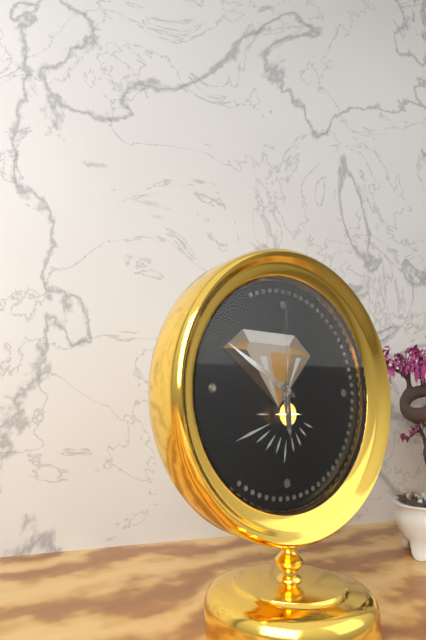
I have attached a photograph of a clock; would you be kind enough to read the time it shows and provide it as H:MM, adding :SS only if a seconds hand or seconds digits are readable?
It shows 5:50:00
